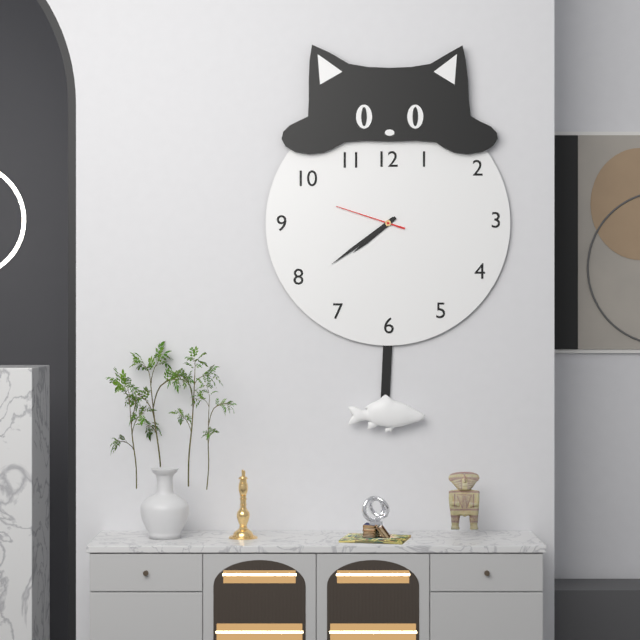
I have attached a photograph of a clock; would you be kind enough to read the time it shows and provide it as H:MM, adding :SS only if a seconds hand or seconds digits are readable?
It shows 7:39:48
